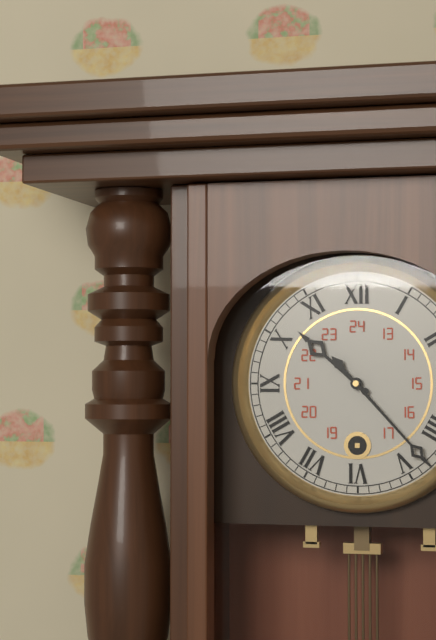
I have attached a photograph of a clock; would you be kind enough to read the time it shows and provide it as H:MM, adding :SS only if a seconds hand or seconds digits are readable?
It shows 10:23
